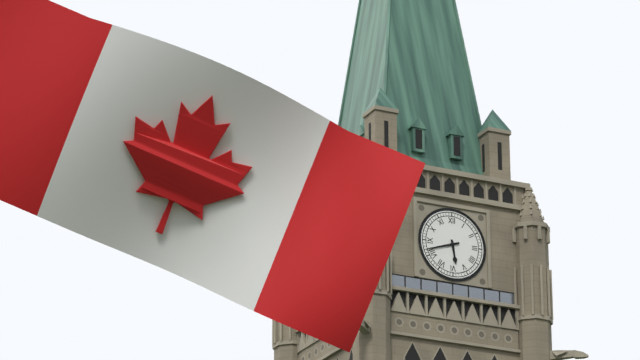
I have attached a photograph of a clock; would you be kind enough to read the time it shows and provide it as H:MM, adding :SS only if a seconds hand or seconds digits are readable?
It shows 5:42
